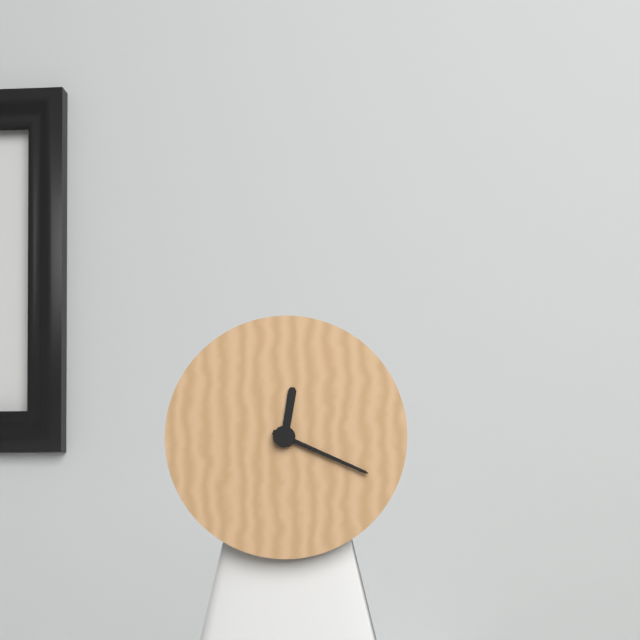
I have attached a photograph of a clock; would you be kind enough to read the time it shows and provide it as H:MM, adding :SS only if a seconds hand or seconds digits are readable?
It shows 12:19
